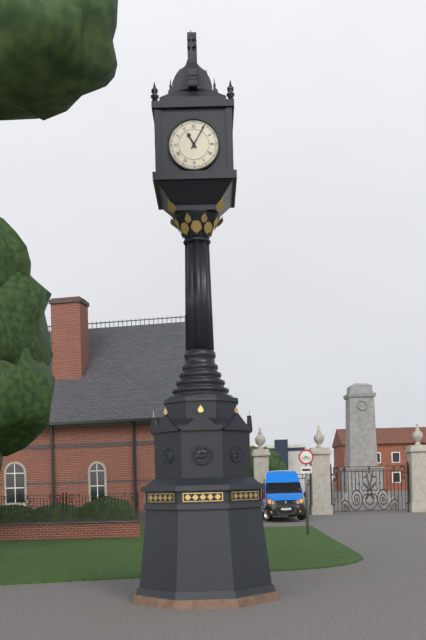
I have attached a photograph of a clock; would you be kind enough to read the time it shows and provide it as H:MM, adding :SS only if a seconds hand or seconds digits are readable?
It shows 11:05
